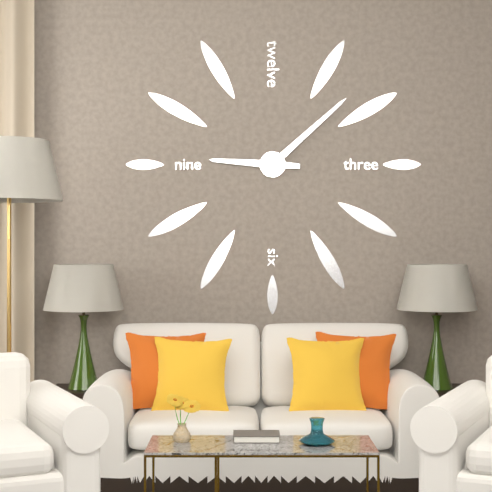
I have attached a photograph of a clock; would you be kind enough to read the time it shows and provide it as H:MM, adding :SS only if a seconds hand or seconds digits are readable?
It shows 9:08
